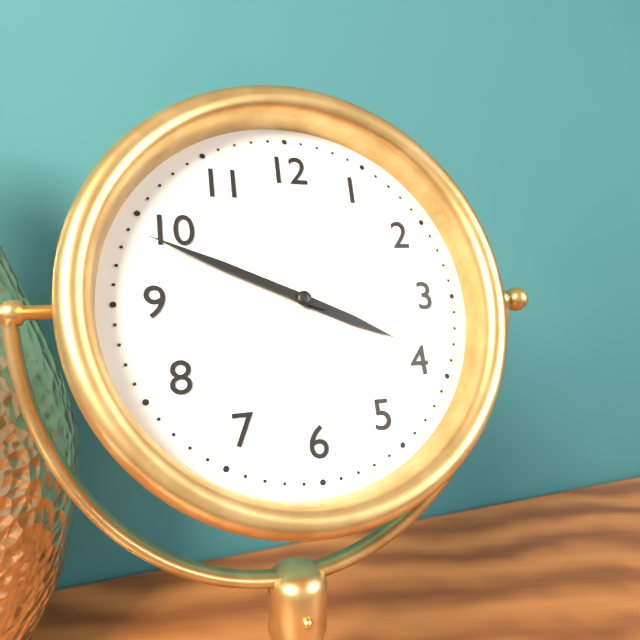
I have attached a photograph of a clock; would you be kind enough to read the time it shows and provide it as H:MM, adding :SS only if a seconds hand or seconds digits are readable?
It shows 3:49
